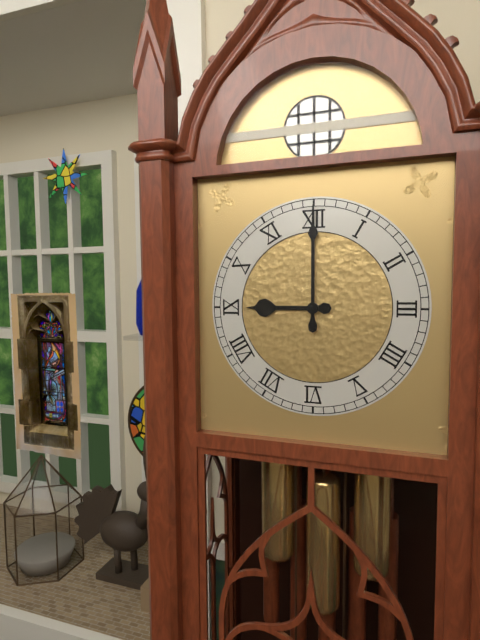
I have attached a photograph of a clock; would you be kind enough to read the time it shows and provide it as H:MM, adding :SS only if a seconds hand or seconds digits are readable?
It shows 9:00
